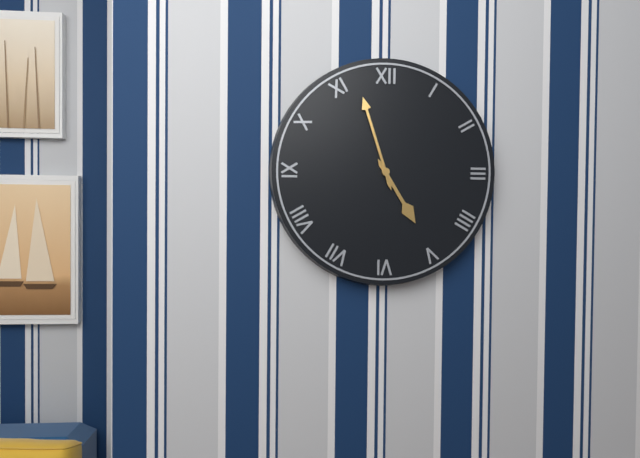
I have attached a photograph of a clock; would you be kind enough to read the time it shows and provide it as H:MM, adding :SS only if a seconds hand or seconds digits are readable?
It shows 4:57
